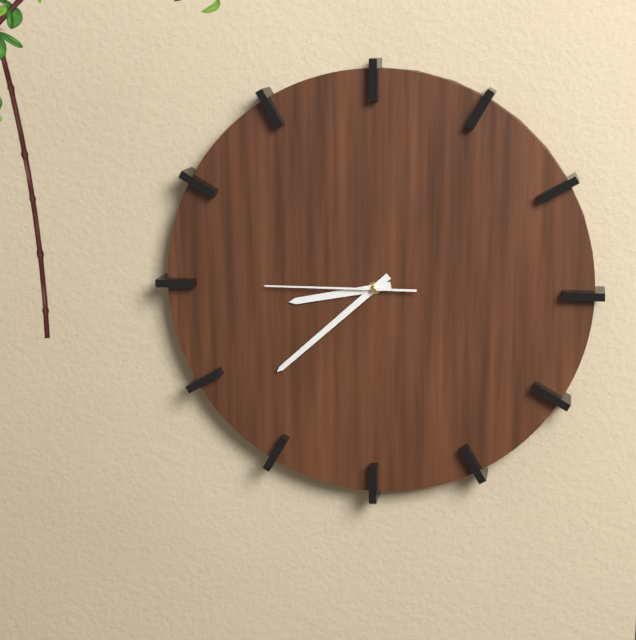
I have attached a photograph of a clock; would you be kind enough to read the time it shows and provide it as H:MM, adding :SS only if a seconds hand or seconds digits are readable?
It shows 8:38:45
